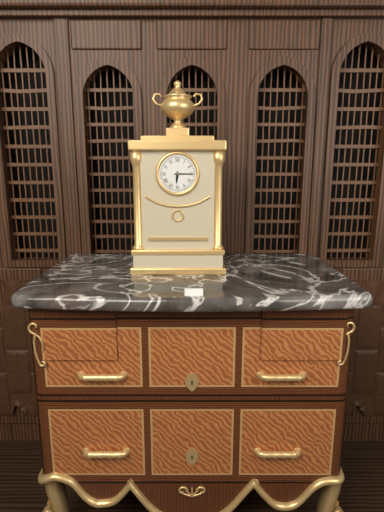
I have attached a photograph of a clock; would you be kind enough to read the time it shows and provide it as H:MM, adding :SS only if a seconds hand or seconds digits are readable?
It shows 6:15
